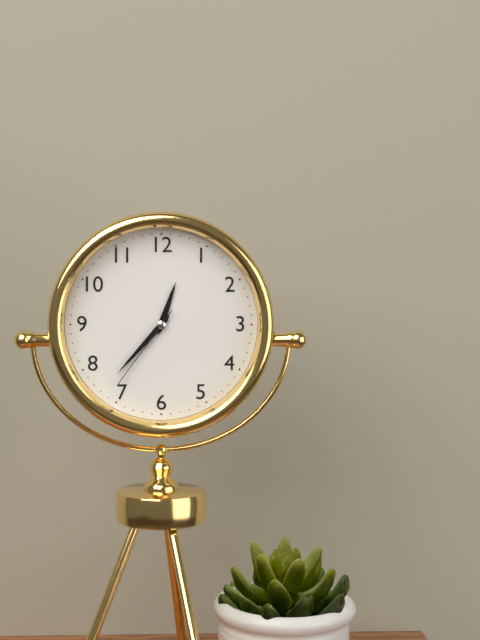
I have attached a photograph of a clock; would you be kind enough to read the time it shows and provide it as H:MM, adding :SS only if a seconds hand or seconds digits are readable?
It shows 12:37:36
